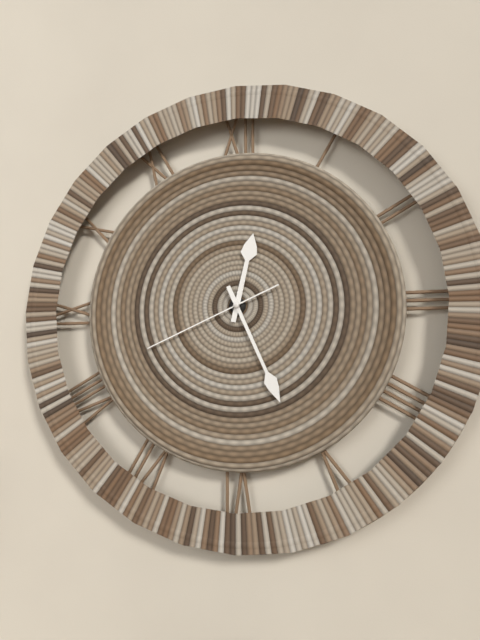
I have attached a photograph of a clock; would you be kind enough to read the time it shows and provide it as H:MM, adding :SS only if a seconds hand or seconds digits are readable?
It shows 12:26:41
